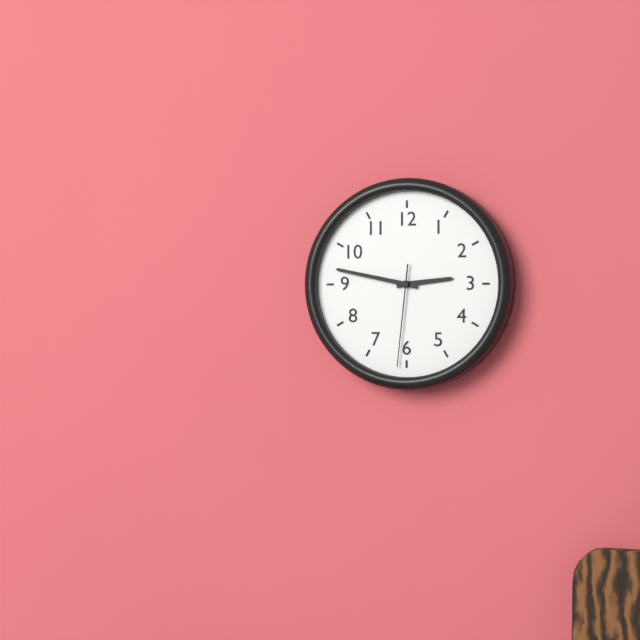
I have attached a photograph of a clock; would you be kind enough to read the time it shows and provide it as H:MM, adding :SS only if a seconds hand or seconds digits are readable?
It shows 2:47:31
